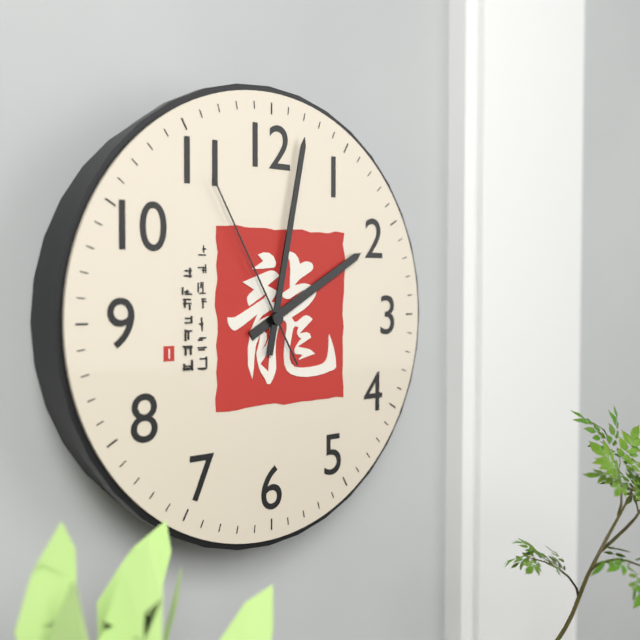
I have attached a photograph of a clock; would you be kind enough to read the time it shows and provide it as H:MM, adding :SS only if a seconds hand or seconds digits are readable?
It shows 2:02:55
